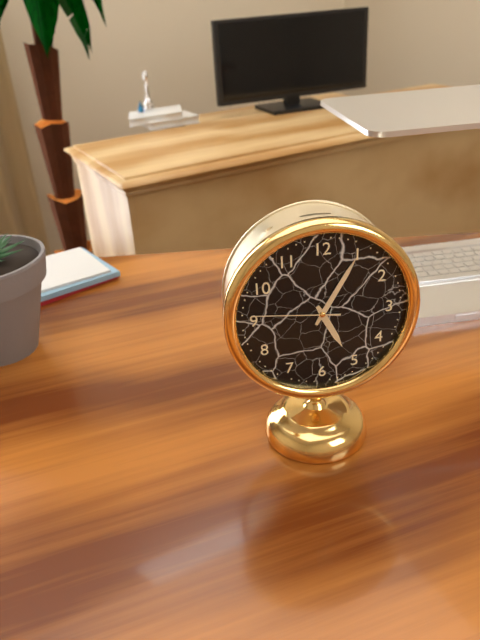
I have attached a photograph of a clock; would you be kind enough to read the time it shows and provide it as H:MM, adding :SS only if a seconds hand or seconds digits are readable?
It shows 5:05:46
